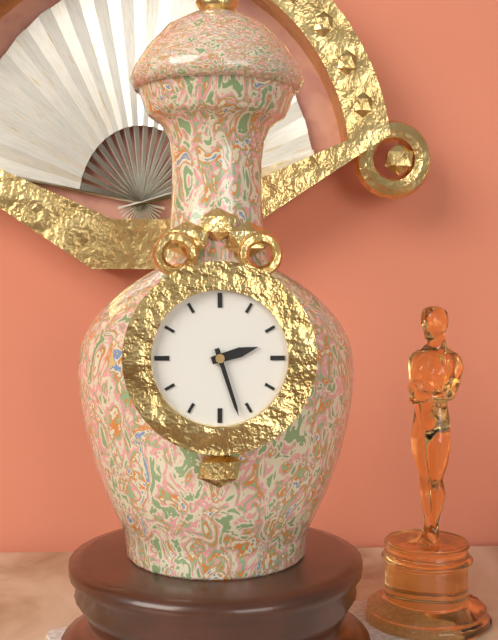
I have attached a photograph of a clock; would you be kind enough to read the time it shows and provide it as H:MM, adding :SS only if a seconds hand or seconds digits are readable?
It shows 2:27
